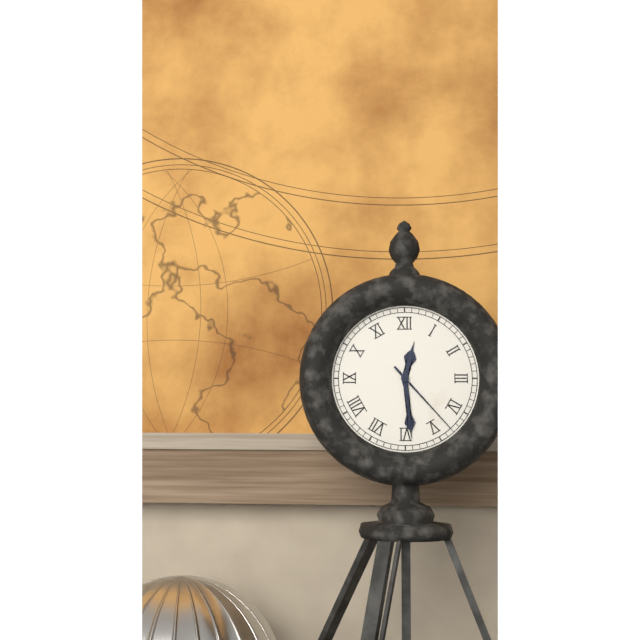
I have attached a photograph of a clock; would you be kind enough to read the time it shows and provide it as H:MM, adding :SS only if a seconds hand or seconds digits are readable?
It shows 12:29:23
